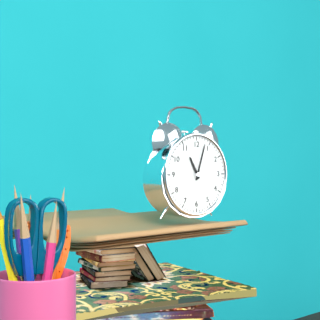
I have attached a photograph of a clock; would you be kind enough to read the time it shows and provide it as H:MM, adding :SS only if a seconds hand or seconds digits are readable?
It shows 11:03
